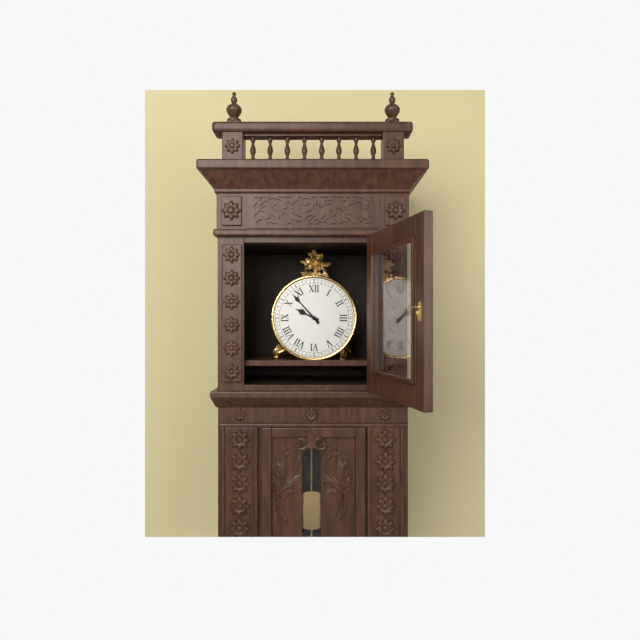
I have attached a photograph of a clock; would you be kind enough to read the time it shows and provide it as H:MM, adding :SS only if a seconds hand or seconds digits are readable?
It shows 9:53
